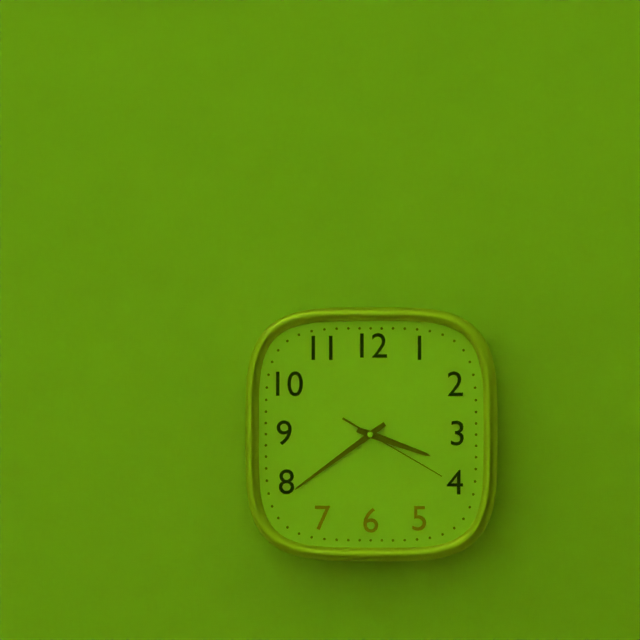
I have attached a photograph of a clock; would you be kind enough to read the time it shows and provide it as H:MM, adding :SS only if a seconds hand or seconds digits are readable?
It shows 3:39:20
